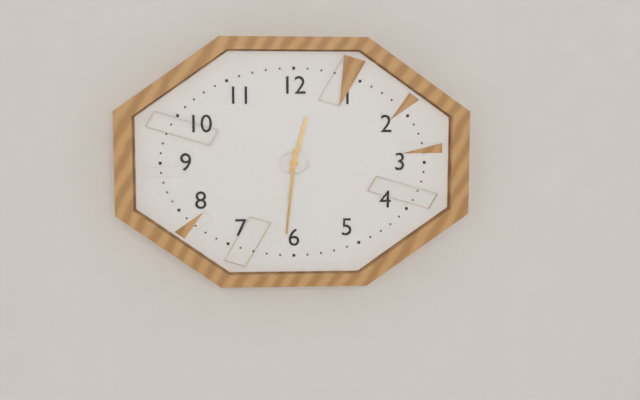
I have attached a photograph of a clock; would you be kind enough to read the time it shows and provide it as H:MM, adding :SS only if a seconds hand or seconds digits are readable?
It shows 12:31
